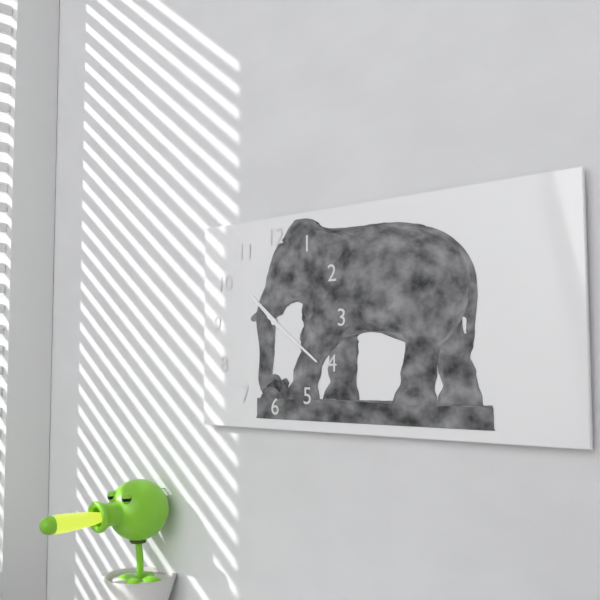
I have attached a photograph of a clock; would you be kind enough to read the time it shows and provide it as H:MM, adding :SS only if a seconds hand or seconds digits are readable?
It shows 10:21
